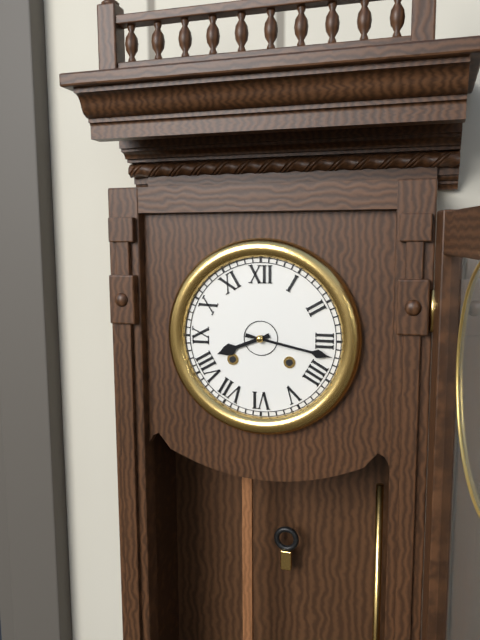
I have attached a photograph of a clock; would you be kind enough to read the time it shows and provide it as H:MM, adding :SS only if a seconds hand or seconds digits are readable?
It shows 8:17
